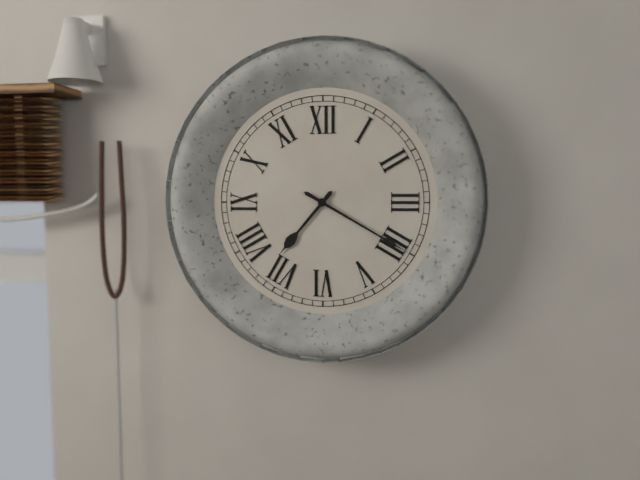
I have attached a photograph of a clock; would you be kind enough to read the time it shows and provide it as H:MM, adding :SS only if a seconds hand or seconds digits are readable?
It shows 7:20
